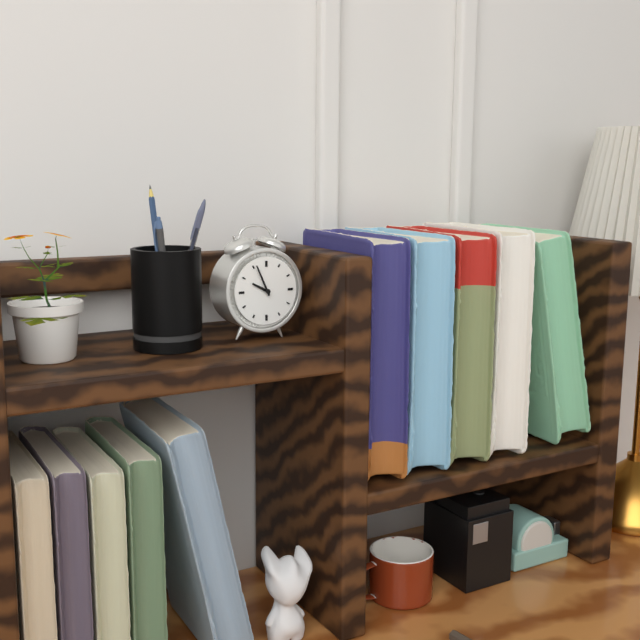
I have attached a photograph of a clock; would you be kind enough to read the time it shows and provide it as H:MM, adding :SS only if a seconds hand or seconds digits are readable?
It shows 9:56
